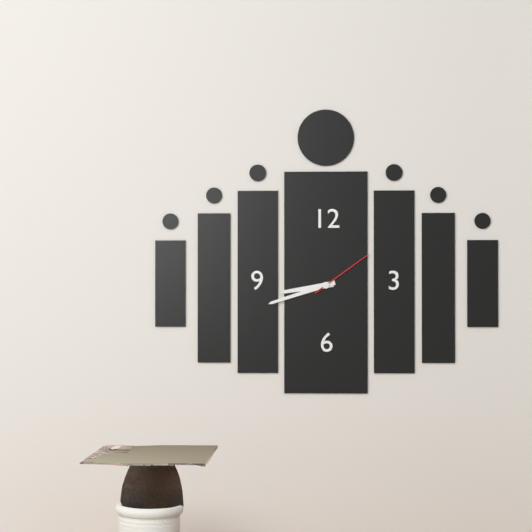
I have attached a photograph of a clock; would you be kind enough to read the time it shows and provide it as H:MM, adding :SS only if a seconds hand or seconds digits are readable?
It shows 8:42:09
